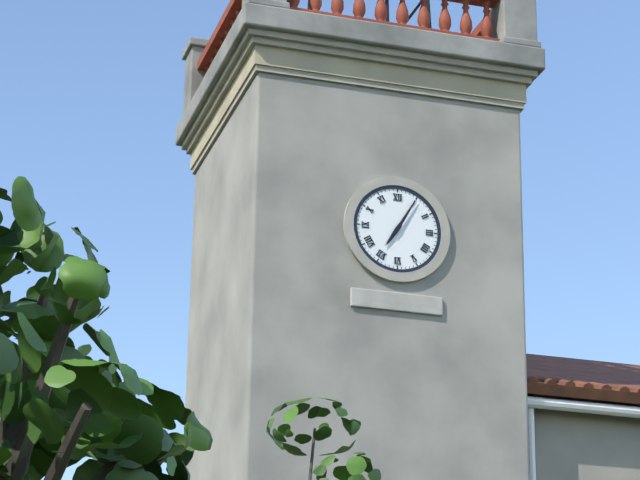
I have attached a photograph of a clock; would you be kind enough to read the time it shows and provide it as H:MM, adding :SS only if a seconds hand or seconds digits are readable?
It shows 7:05
